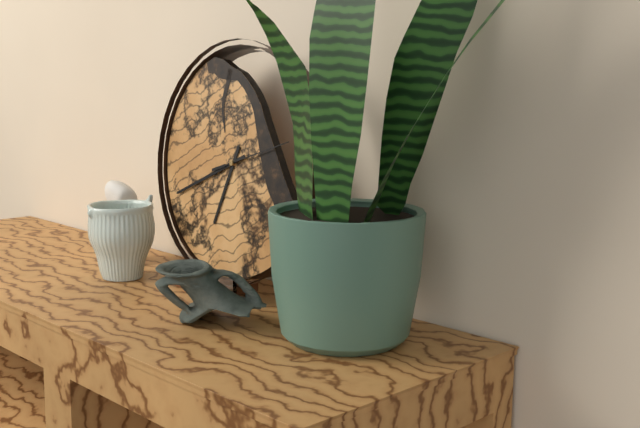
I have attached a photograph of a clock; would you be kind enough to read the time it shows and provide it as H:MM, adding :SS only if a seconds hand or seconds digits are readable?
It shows 6:41:12
